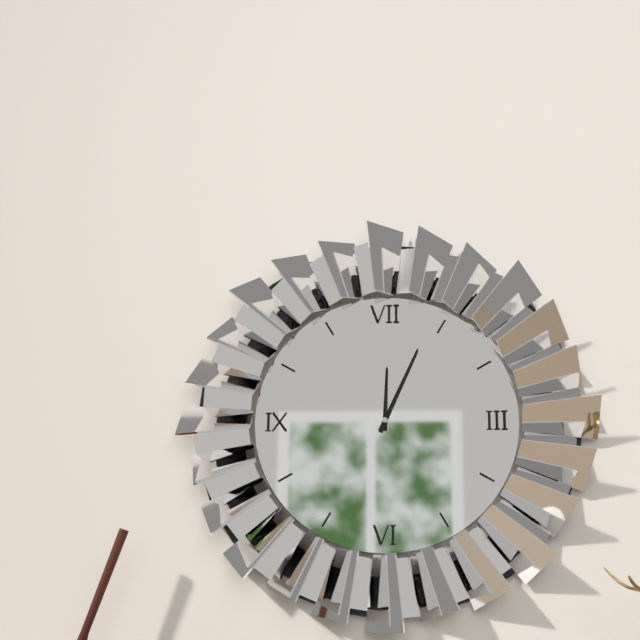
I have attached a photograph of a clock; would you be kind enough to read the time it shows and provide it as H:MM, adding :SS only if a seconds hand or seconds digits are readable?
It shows 12:04
